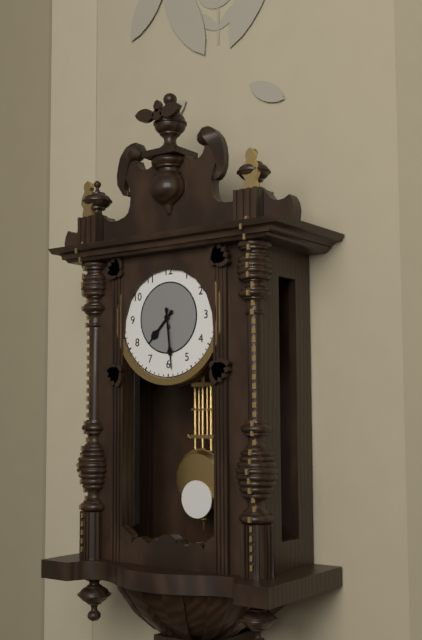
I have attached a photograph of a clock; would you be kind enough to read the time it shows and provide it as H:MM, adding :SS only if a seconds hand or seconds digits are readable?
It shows 7:29
